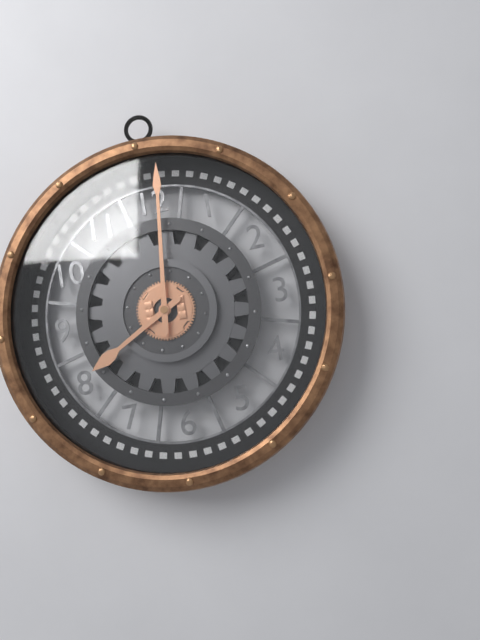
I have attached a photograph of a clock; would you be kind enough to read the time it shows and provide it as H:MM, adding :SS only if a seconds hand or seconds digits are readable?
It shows 8:01
